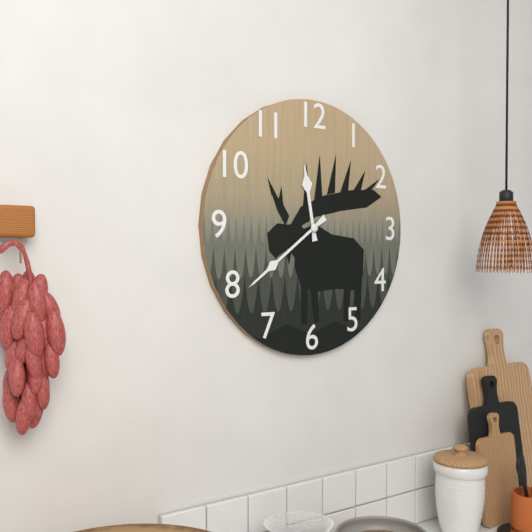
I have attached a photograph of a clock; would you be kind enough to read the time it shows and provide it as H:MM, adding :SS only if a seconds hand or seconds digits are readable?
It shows 11:39
